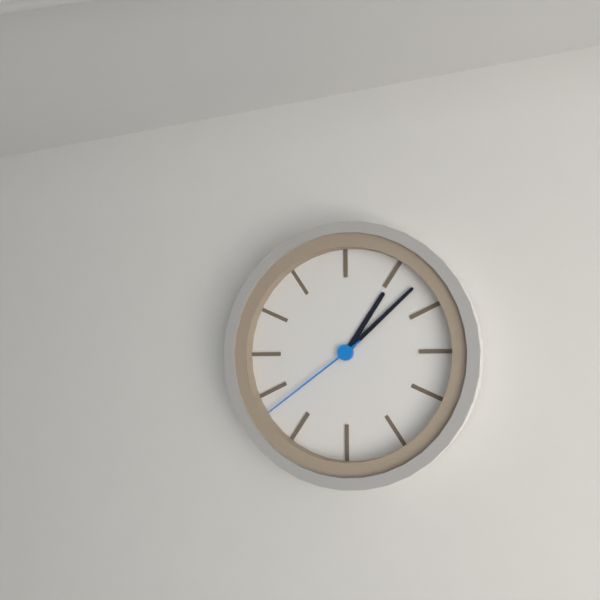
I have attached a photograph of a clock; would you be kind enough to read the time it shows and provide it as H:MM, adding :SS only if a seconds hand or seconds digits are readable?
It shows 1:08:39
